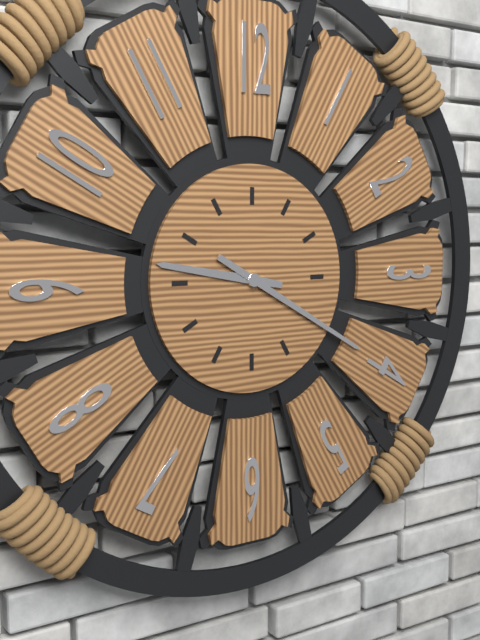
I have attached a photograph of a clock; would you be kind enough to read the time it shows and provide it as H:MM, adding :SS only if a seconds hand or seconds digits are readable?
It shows 9:20
